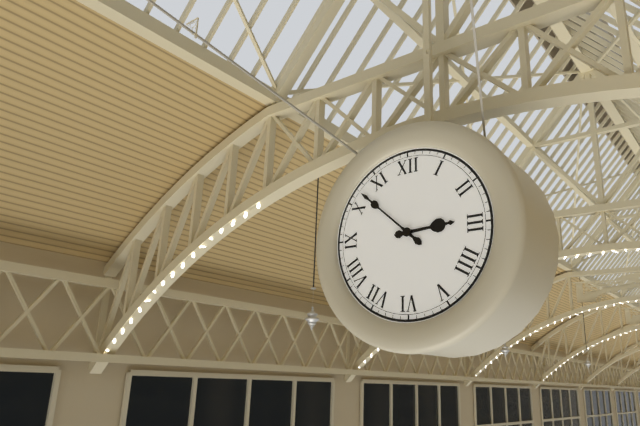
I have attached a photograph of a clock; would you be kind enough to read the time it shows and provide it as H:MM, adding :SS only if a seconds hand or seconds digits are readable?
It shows 2:52
